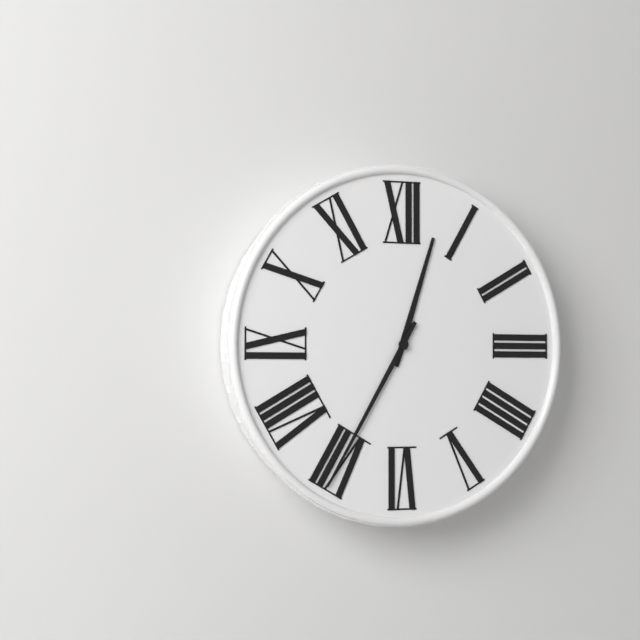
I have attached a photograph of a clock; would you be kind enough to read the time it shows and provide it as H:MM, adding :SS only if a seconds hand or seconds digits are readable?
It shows 12:35
